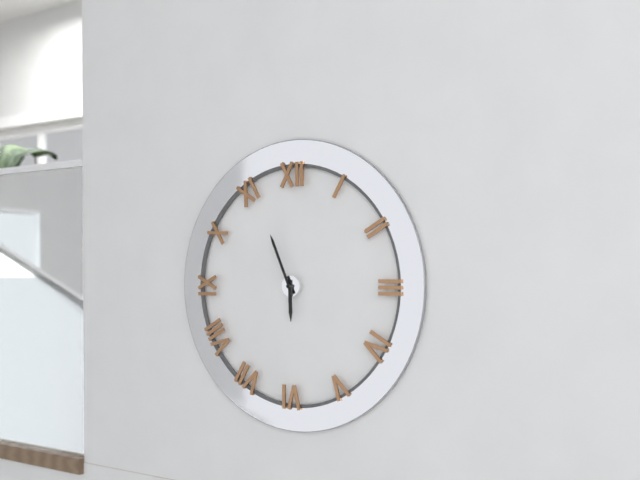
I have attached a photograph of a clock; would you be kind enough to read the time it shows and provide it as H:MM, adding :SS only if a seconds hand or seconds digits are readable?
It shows 5:56
